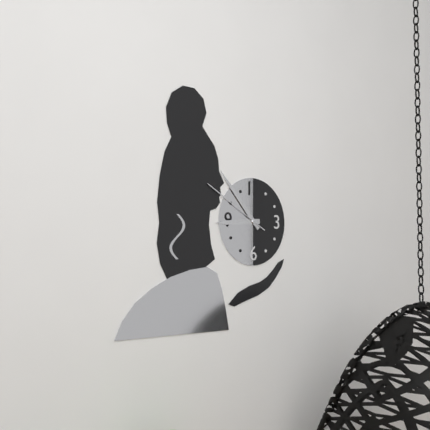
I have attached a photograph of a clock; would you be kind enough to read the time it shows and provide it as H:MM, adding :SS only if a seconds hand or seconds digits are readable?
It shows 8:53:50
